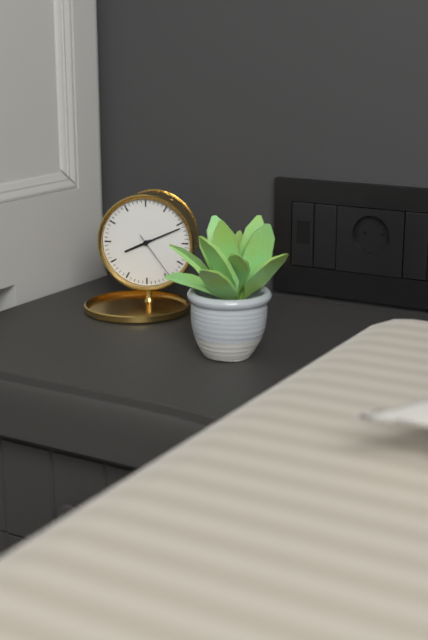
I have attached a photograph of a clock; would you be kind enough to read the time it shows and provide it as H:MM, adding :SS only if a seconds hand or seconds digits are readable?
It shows 8:11:24
